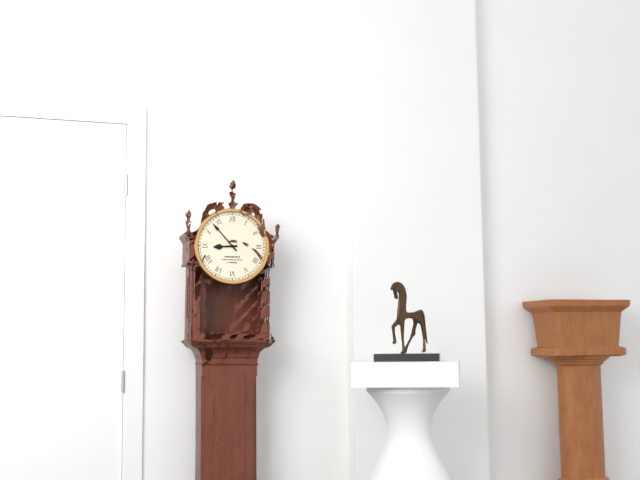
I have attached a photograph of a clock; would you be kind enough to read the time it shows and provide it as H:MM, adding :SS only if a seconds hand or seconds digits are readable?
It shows 8:53
